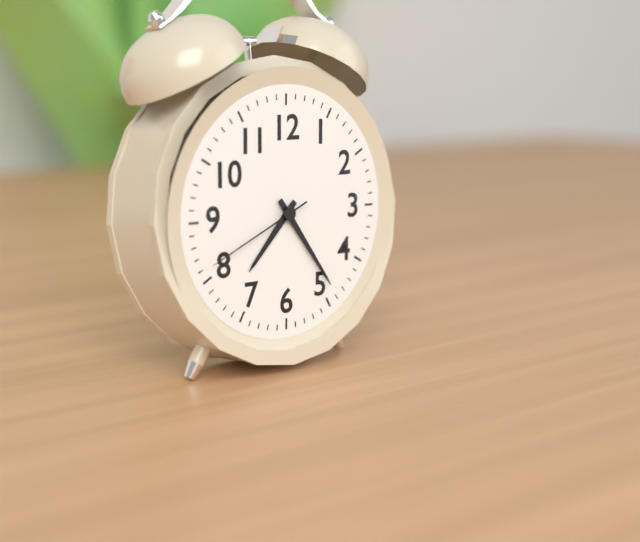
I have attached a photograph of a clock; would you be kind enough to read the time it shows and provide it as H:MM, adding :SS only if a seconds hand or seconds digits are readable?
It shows 7:24:41
